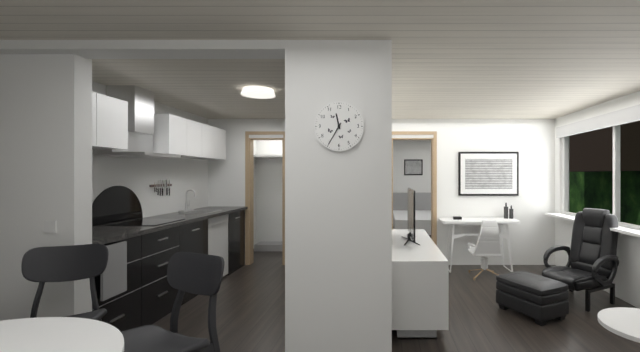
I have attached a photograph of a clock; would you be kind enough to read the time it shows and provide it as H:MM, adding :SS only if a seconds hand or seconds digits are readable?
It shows 11:35
